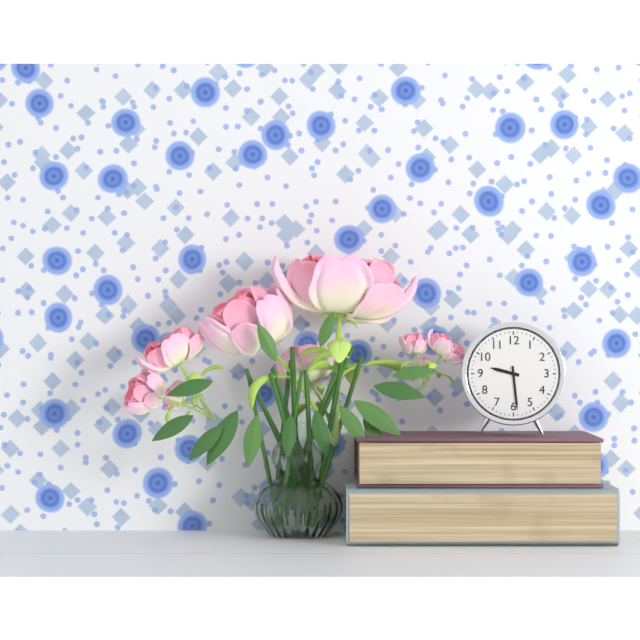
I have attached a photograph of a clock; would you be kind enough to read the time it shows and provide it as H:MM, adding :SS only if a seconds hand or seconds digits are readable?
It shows 9:29
